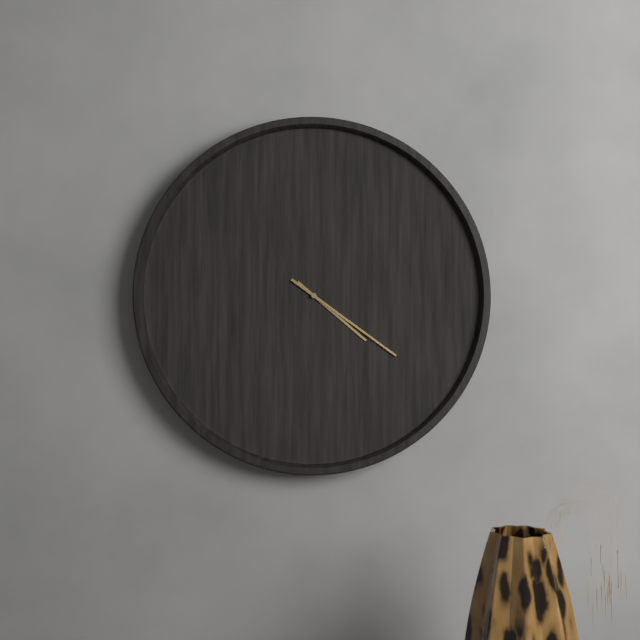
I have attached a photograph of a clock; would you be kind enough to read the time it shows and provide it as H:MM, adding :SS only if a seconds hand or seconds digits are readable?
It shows 4:21
